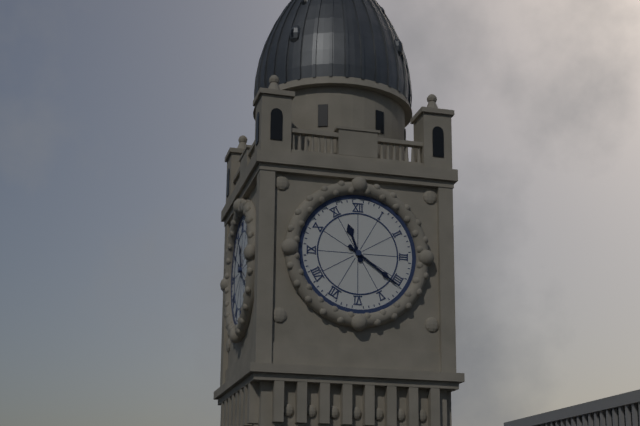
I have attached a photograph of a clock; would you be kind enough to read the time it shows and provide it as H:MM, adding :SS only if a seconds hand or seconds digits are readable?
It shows 11:21
